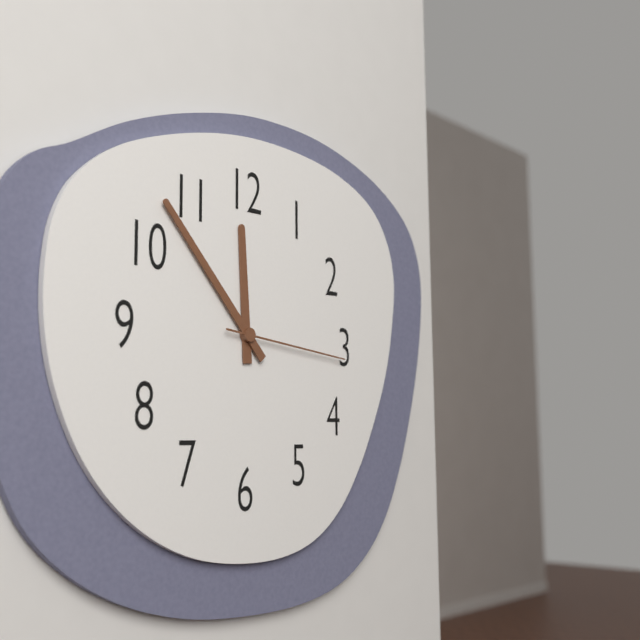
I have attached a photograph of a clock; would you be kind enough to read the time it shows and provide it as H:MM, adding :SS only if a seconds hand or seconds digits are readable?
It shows 11:53:16
